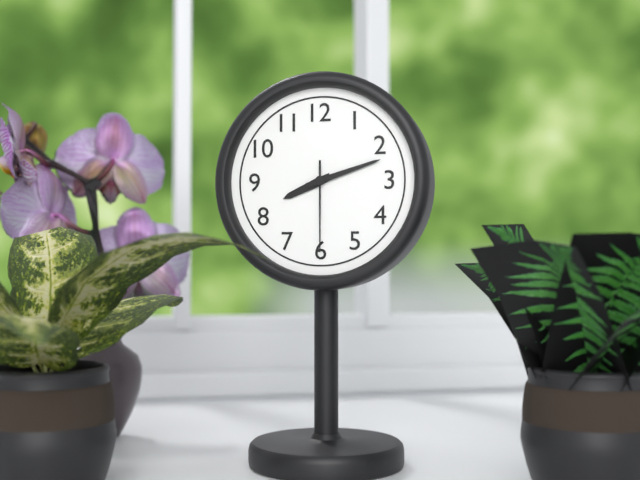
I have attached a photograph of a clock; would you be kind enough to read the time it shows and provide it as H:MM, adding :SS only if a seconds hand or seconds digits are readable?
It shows 8:12:30
